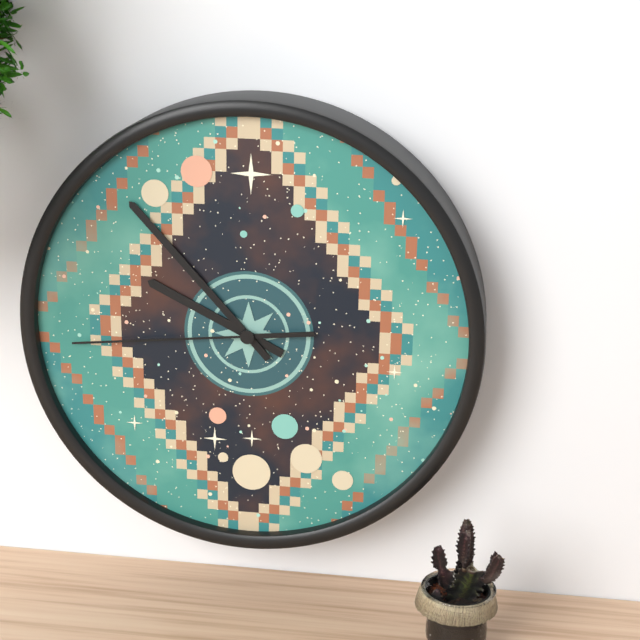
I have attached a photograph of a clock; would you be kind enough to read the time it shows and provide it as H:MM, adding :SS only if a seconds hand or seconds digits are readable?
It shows 9:53:44
